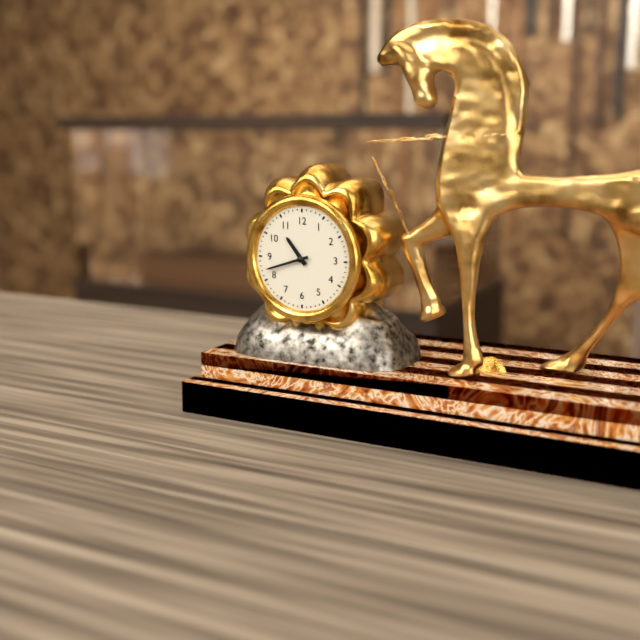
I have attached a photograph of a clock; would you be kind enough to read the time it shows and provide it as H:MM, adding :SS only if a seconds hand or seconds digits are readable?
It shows 10:42
